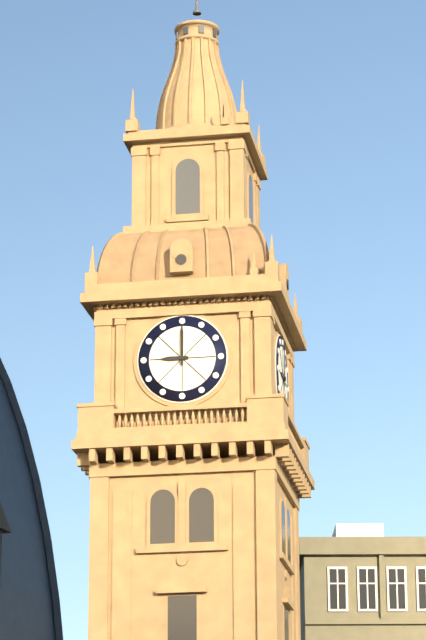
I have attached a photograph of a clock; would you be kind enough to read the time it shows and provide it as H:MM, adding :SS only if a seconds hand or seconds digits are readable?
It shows 9:00
